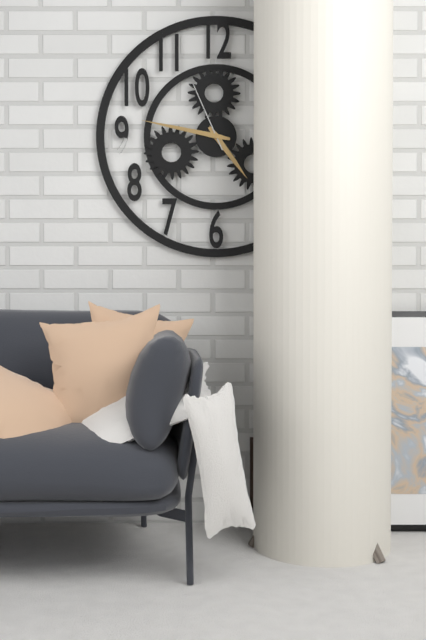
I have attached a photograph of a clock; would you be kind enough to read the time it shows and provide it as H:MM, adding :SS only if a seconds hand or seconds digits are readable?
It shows 4:47:56
